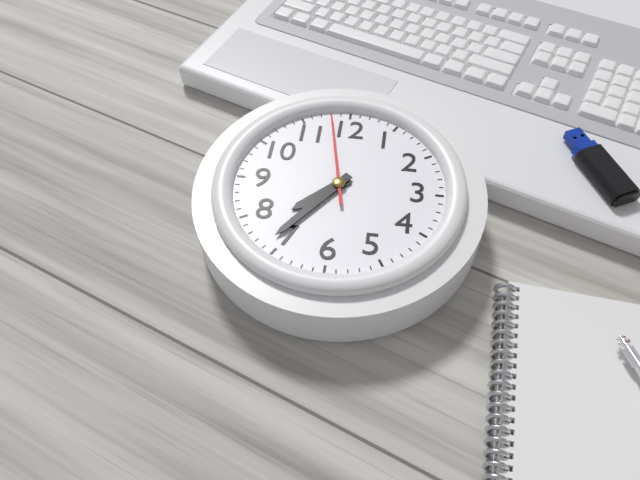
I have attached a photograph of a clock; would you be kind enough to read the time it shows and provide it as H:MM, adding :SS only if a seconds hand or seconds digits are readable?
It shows 7:36:58
